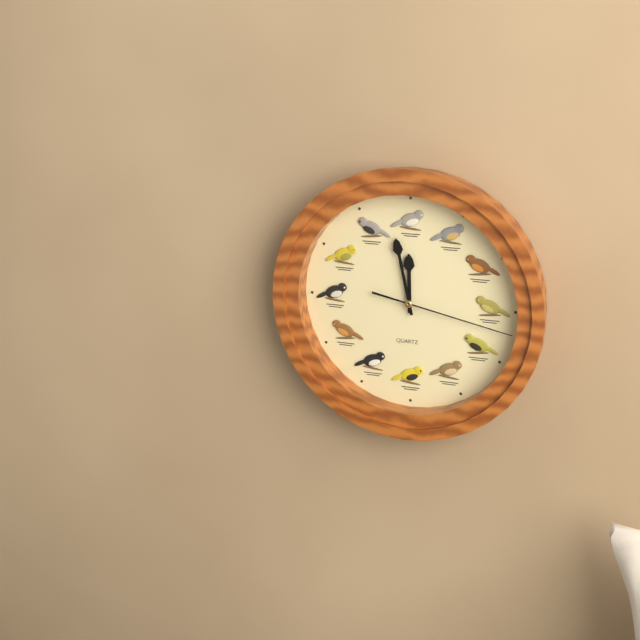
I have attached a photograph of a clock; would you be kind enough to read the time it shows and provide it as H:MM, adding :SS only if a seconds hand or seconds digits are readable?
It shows 11:58:17
